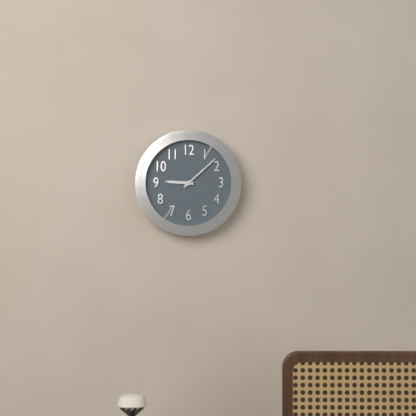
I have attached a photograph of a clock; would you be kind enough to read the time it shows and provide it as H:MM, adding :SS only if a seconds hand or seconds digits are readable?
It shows 9:08
